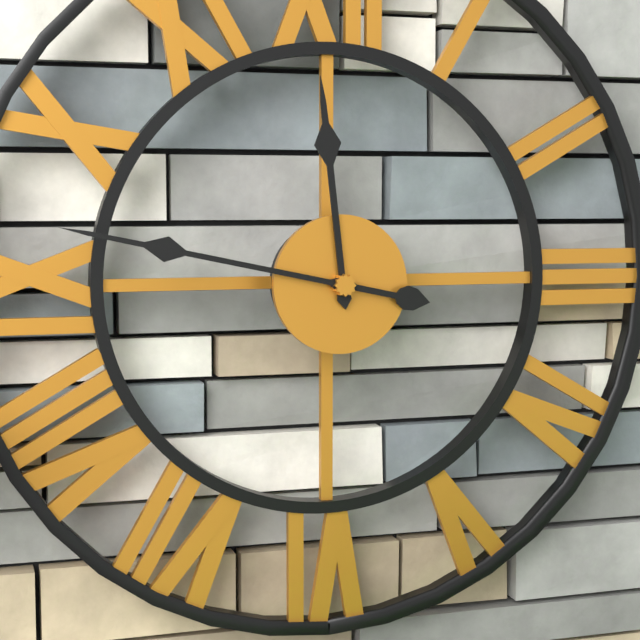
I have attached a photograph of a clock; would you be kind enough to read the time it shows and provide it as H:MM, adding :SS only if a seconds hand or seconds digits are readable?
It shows 11:47
